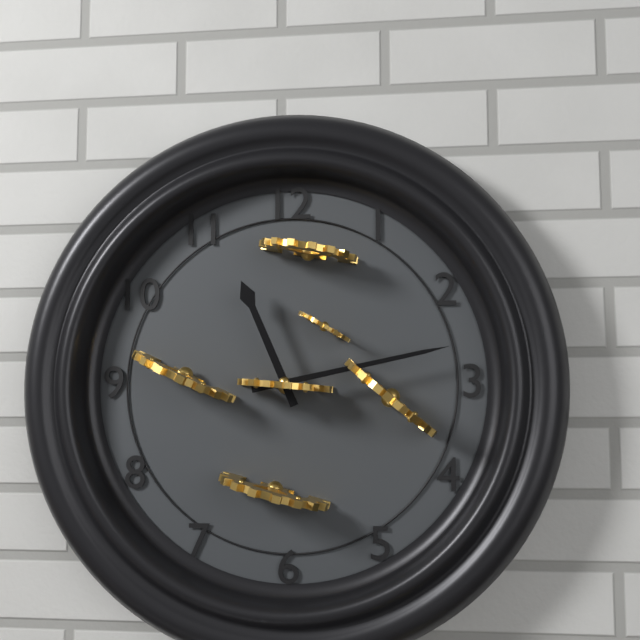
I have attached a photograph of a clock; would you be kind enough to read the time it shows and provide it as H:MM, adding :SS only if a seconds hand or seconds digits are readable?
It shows 11:13
